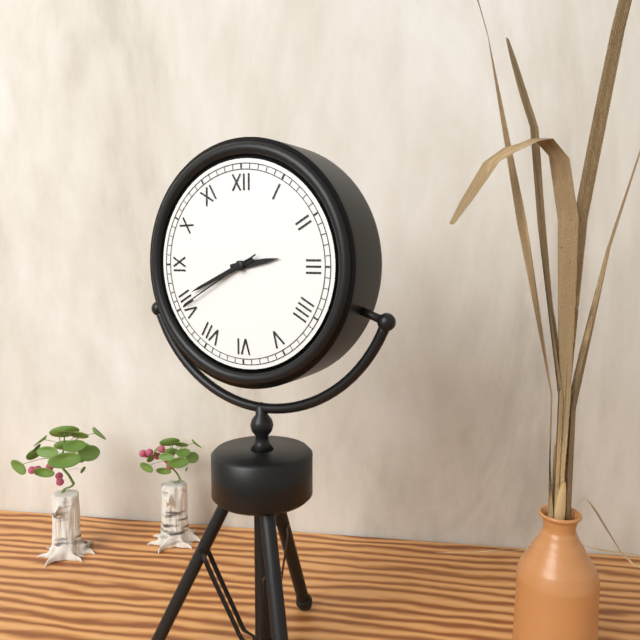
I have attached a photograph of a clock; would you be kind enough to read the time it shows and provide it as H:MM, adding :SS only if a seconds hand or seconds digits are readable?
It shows 2:41:40
